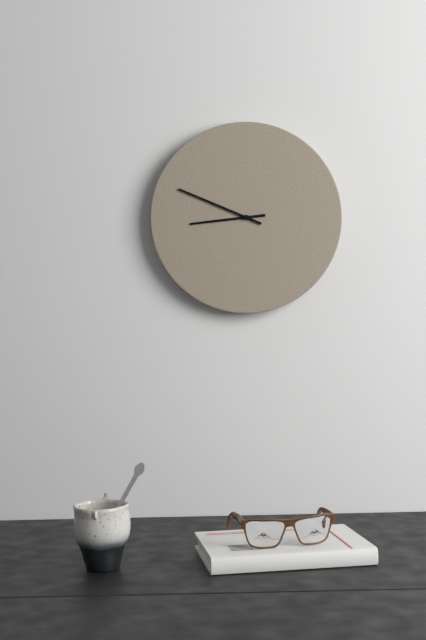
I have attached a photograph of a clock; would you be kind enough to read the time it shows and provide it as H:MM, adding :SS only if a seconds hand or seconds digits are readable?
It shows 8:49
